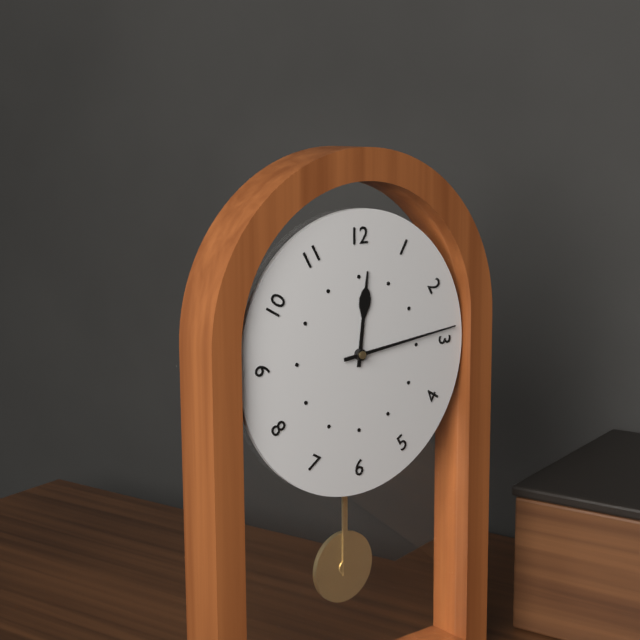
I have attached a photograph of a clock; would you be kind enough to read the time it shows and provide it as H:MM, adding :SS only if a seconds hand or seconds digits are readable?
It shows 12:14
